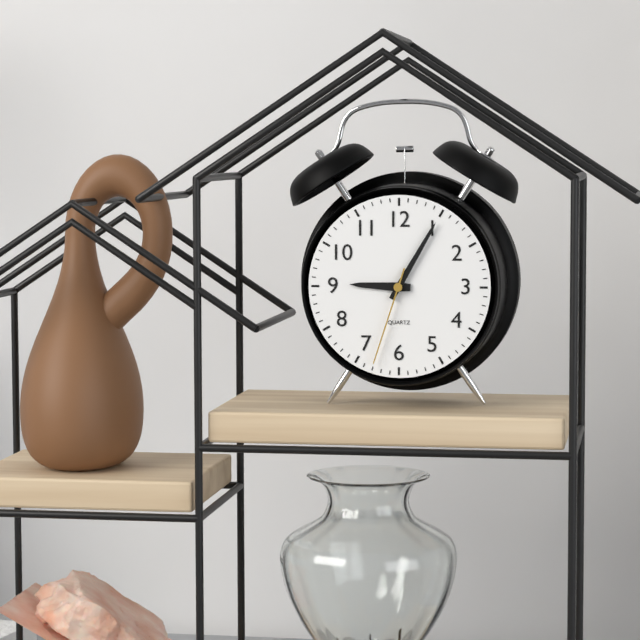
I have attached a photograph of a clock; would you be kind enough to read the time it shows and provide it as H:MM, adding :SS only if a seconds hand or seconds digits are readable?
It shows 9:05:33
